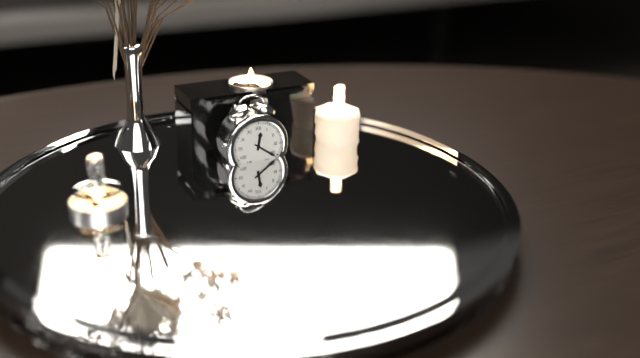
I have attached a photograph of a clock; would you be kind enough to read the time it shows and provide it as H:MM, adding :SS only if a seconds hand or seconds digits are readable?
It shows 12:21
